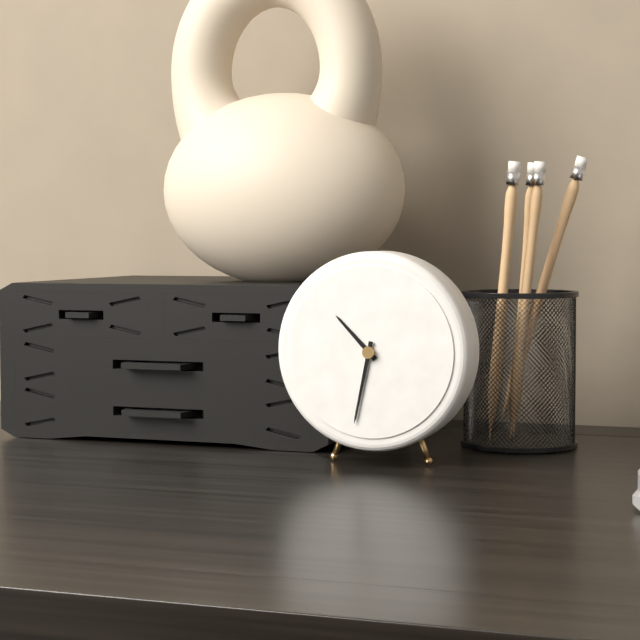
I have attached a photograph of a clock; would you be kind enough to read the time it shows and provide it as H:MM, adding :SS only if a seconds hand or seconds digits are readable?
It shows 10:32
